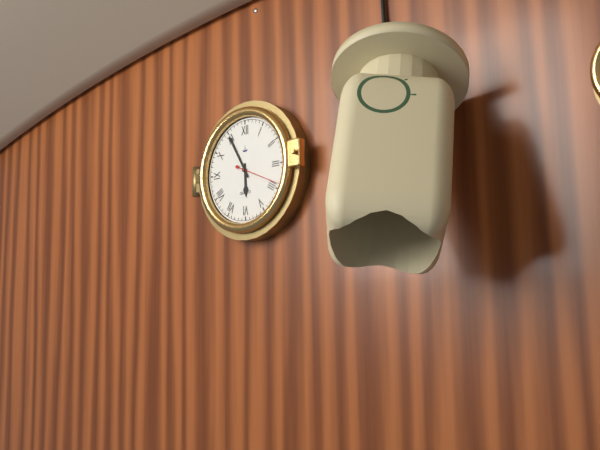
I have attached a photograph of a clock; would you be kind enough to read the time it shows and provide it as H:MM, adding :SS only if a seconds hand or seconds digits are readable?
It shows 5:55
